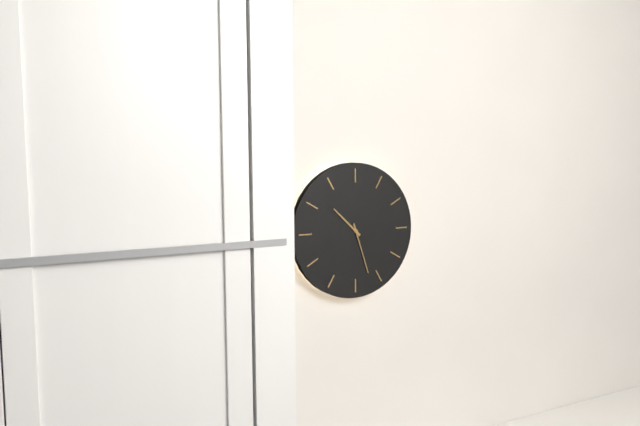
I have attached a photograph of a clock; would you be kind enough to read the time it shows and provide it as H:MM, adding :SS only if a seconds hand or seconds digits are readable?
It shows 10:27
